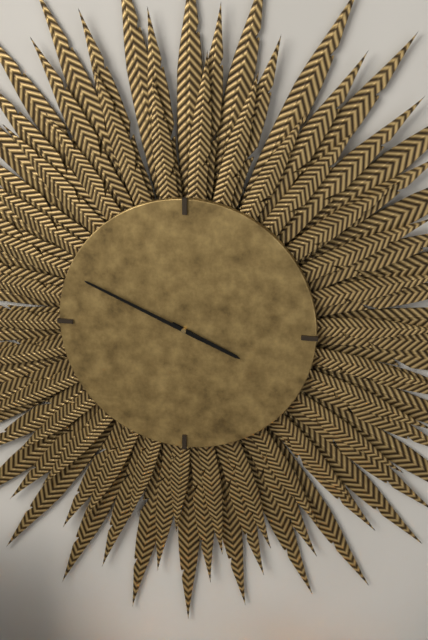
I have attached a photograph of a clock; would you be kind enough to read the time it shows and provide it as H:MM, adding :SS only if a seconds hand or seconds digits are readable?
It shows 3:49
